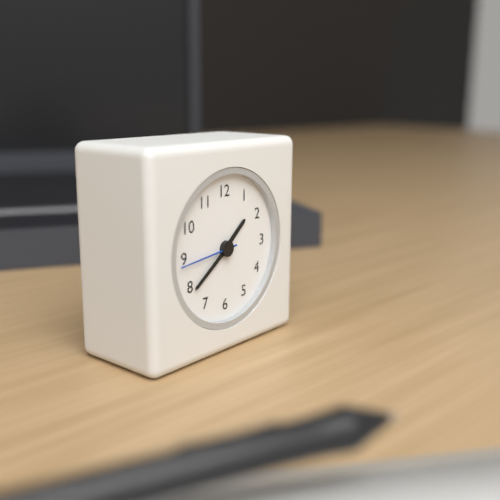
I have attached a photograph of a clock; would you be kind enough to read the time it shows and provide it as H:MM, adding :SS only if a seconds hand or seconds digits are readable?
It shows 1:39:44
